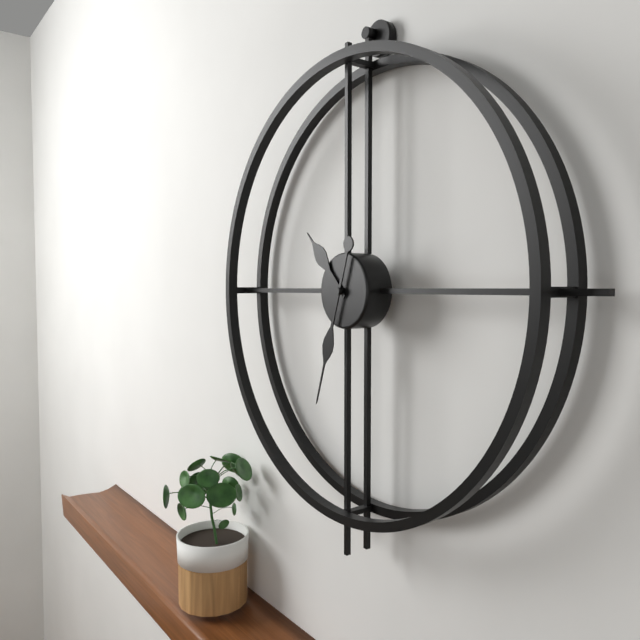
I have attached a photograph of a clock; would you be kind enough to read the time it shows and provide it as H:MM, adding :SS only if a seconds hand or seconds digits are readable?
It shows 10:33
